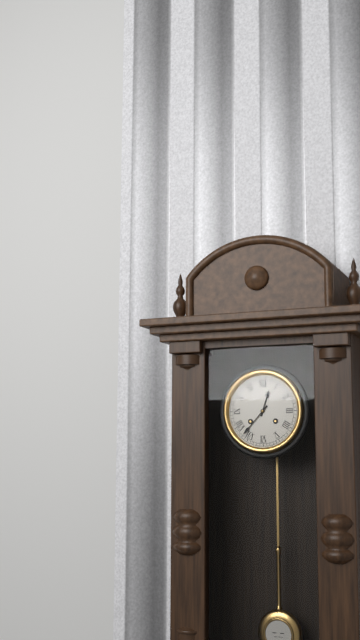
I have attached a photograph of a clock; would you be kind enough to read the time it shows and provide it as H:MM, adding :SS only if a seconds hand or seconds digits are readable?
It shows 12:37
